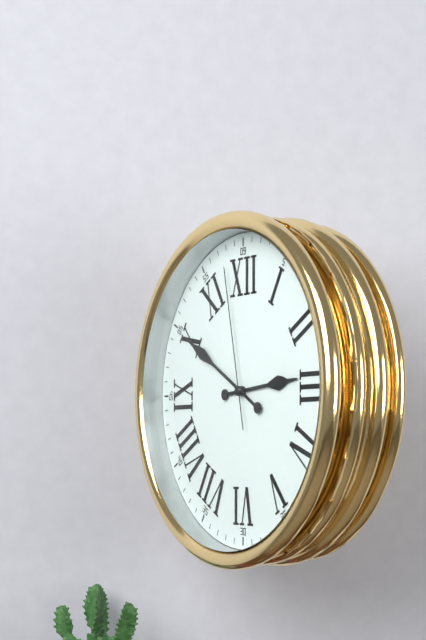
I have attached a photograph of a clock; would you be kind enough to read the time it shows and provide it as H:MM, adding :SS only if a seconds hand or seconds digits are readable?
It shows 2:50:58
